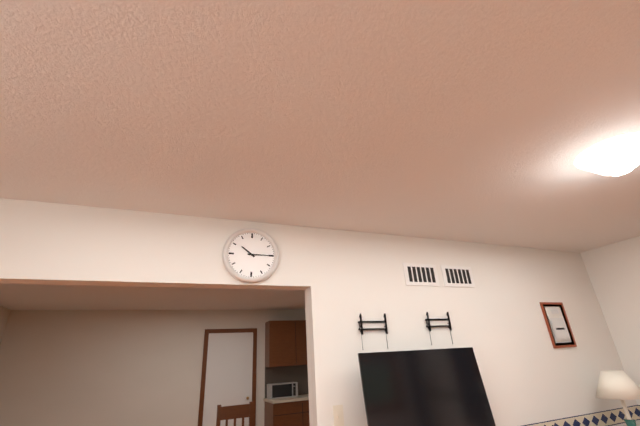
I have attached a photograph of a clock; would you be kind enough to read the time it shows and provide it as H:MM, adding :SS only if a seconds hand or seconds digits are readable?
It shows 10:15
